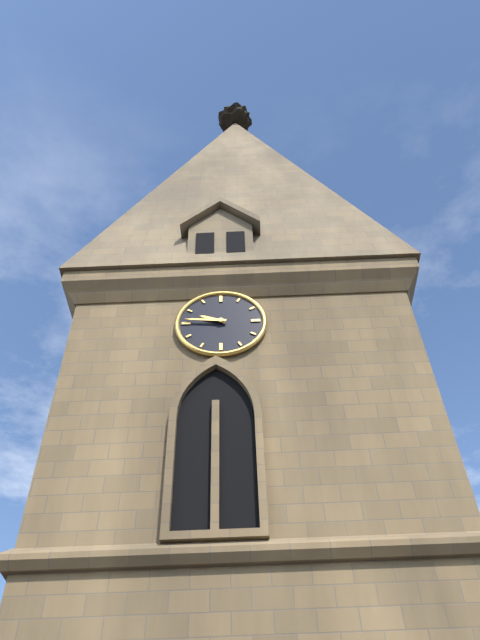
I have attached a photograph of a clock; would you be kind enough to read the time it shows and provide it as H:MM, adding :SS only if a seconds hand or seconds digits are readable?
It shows 9:46
